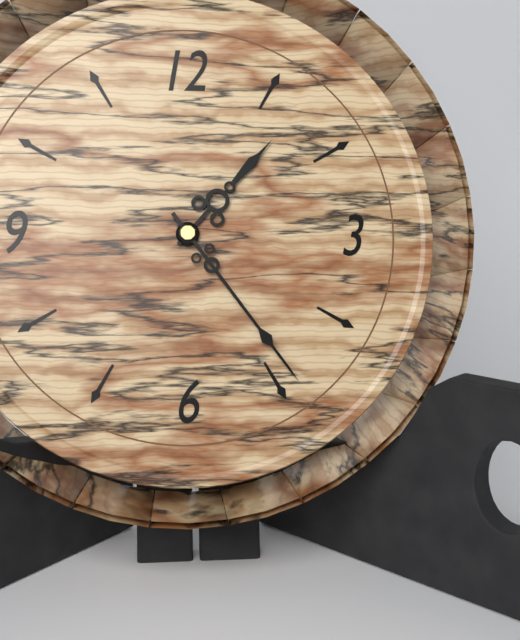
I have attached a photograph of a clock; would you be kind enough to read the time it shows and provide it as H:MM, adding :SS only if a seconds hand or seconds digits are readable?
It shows 1:24
